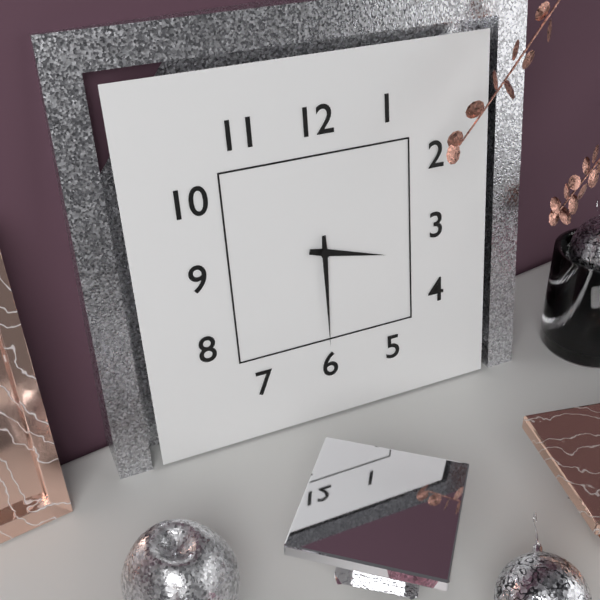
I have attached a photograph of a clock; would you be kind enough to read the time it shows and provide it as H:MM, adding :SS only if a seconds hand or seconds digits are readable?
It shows 3:30
